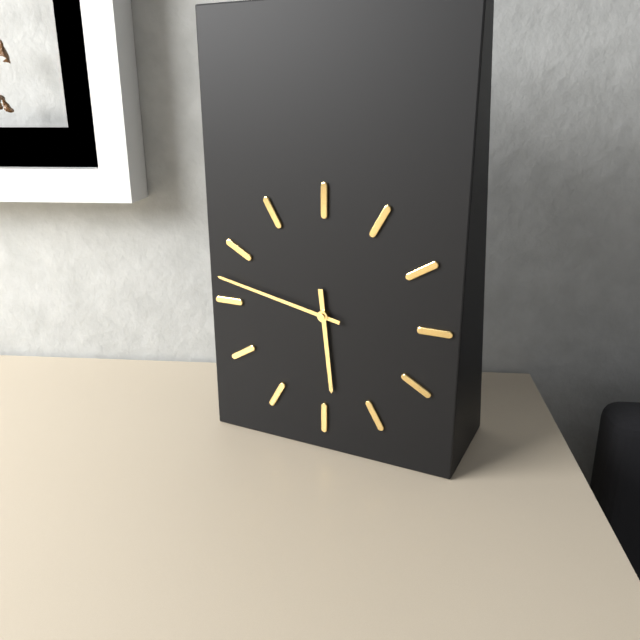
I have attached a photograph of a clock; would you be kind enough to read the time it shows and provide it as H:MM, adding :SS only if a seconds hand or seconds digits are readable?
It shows 5:47
